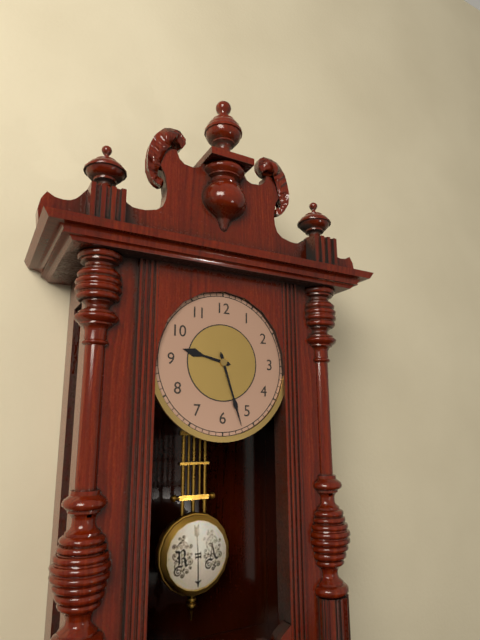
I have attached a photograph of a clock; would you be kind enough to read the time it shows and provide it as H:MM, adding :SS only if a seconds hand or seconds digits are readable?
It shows 9:27
